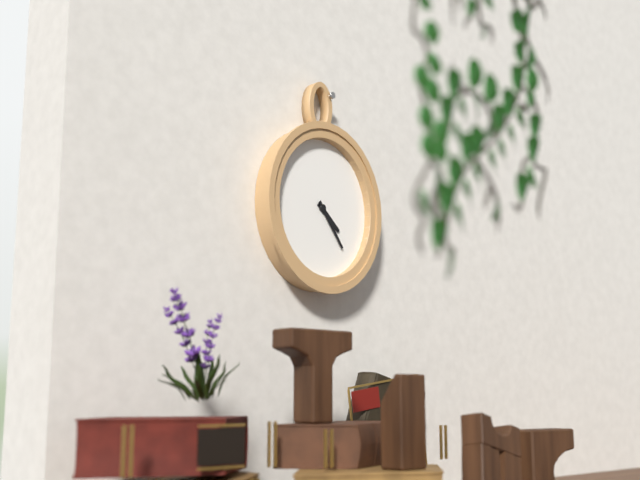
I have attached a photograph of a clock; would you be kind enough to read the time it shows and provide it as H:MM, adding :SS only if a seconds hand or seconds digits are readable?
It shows 4:24
